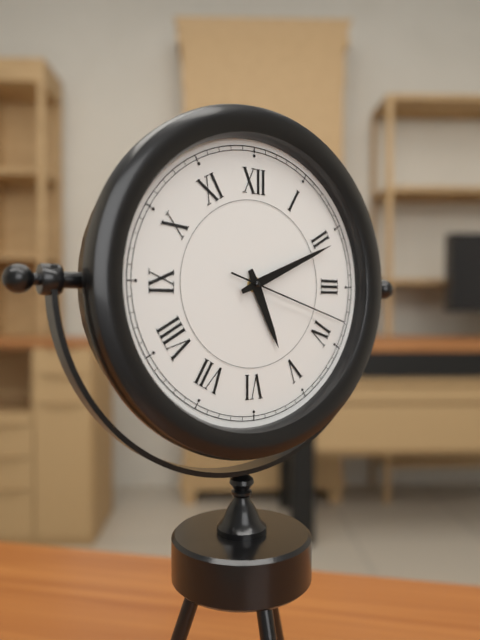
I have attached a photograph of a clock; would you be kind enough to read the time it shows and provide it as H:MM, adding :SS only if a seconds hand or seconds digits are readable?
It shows 5:11:18
